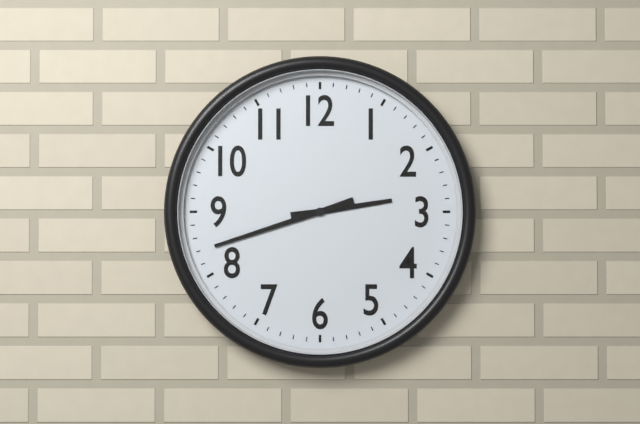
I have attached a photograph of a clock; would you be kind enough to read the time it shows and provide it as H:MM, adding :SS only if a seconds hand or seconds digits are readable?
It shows 2:42
